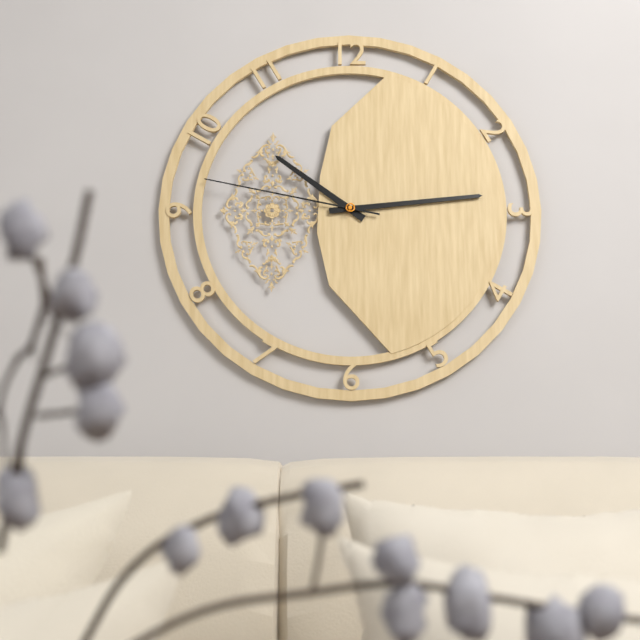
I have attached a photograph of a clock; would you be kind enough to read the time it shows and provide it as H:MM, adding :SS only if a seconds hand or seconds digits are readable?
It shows 10:14:47
